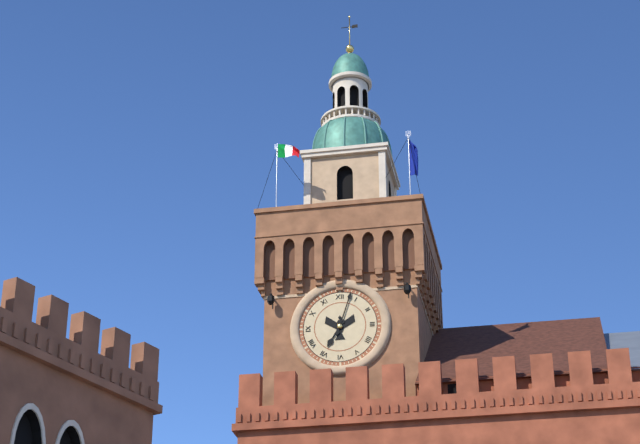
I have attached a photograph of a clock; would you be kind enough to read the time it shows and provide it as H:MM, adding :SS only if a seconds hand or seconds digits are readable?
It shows 7:03
